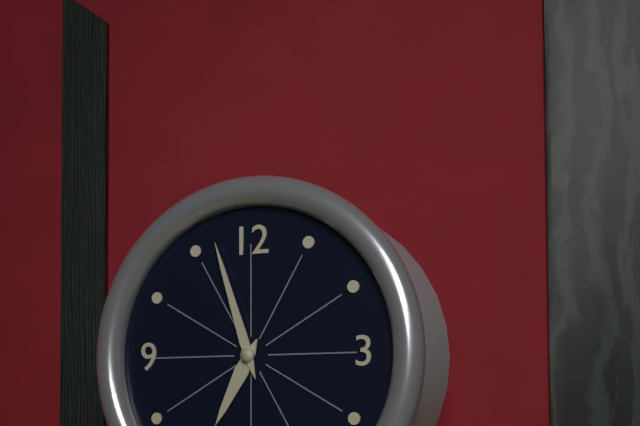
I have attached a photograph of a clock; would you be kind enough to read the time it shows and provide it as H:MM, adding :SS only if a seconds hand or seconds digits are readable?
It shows 6:57
